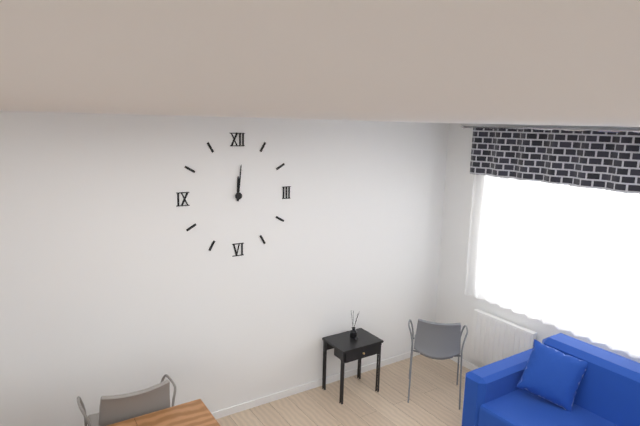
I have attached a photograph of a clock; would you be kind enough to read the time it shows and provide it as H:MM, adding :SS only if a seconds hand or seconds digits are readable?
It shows 12:01
